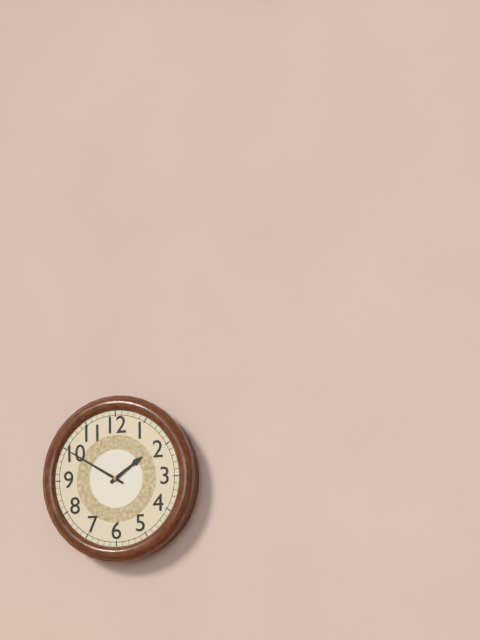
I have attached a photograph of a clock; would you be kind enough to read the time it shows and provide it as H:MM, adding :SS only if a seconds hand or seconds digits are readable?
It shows 1:50
